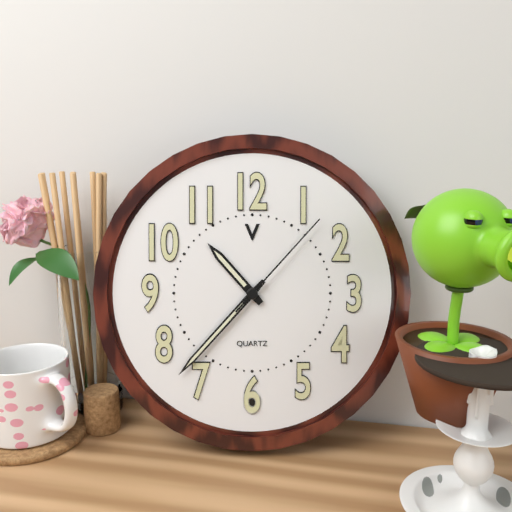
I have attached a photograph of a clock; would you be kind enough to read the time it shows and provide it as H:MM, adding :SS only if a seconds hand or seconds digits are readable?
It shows 10:37:07
